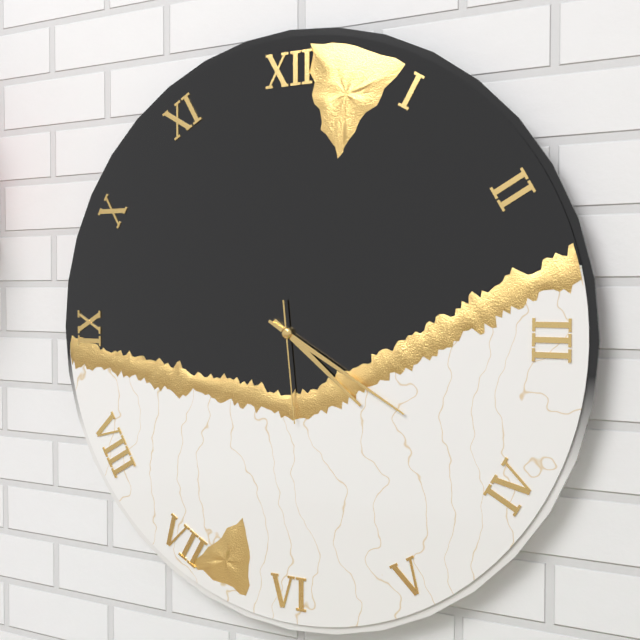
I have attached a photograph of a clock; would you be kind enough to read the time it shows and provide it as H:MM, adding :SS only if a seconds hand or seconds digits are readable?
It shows 4:20:29
